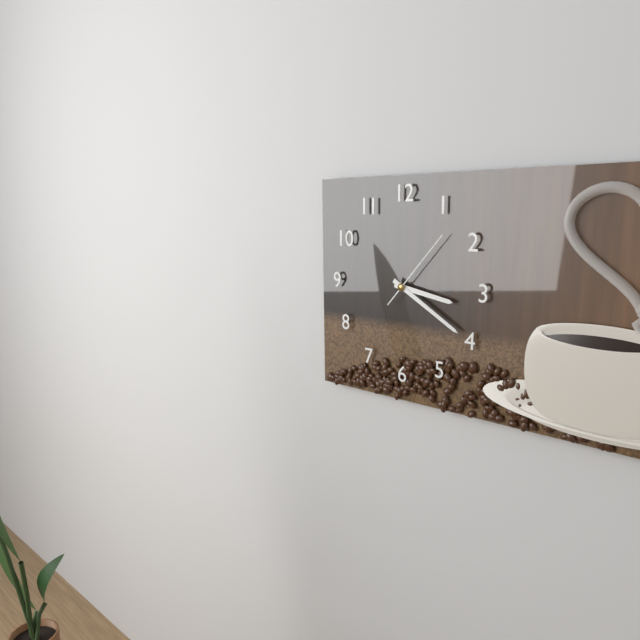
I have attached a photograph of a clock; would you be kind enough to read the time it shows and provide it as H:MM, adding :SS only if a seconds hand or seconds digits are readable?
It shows 3:20:07
